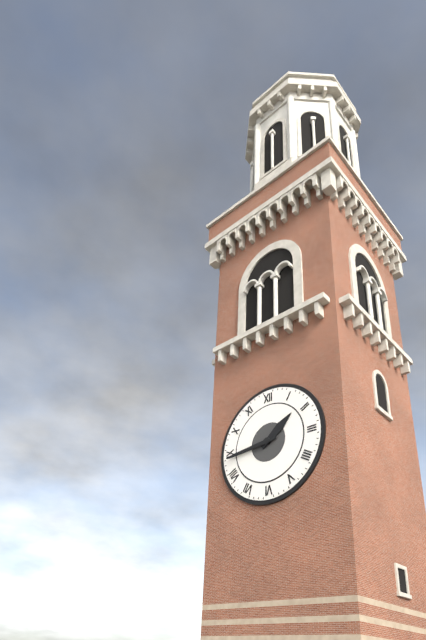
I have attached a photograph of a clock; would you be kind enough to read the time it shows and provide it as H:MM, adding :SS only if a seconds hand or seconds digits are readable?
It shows 1:44
